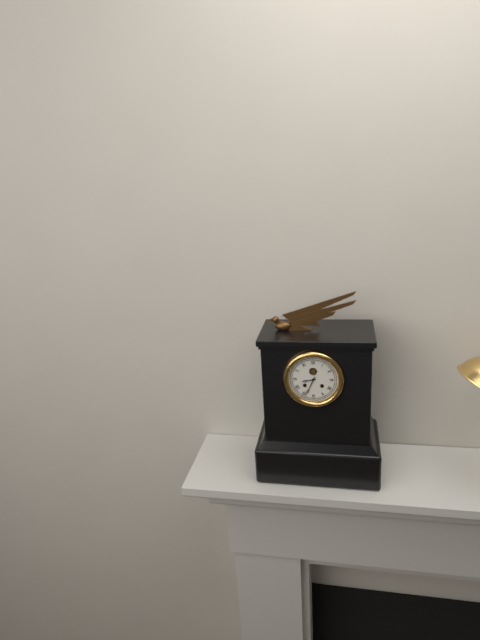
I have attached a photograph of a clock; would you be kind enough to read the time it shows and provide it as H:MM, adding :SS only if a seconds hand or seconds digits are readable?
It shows 8:34
